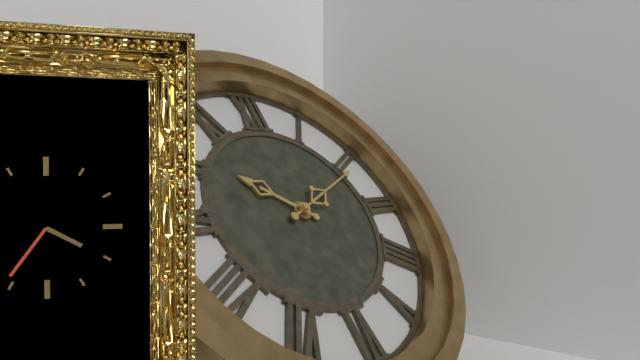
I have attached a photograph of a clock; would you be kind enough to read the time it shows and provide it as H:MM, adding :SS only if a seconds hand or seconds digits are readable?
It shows 10:11
